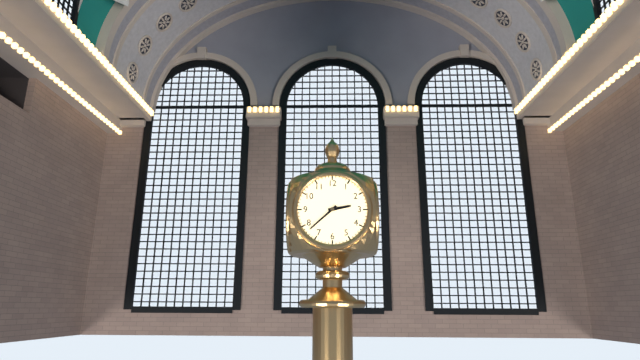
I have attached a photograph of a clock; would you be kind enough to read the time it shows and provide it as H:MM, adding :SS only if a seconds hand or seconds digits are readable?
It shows 2:38
